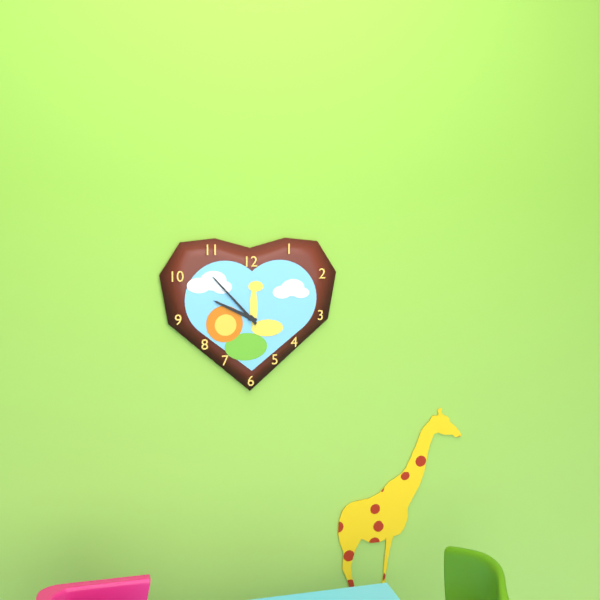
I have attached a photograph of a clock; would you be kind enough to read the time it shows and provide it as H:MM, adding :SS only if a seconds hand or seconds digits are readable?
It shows 9:53
